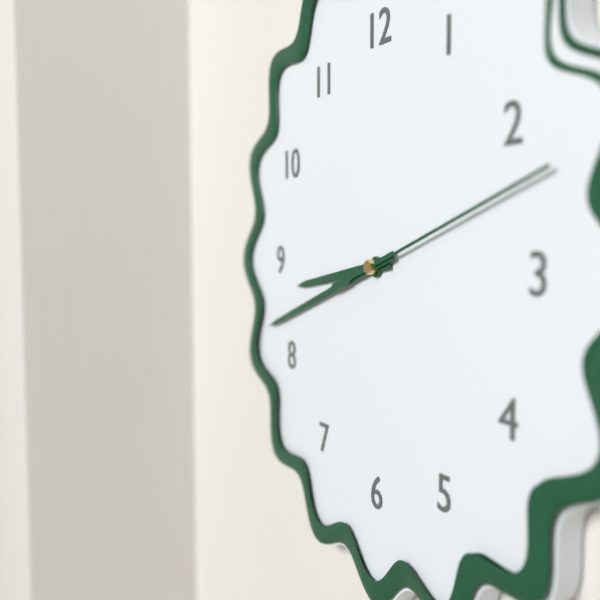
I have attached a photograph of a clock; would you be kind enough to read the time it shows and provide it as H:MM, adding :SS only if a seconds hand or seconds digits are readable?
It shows 8:42:12
